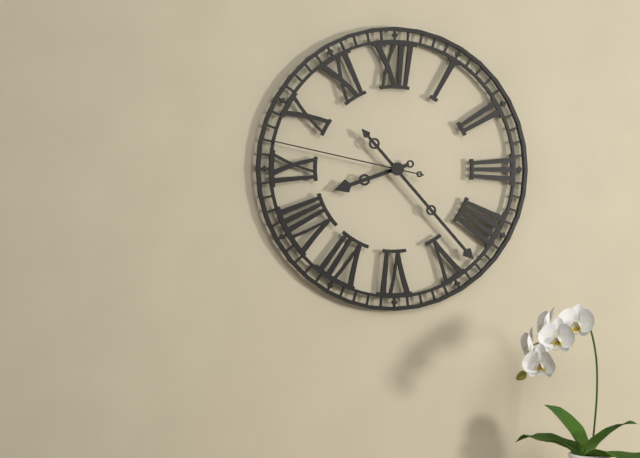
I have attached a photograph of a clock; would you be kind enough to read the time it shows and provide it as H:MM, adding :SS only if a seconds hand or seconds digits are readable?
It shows 8:23:47
